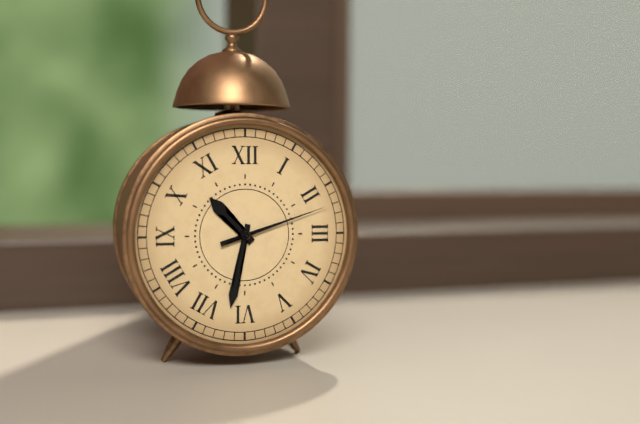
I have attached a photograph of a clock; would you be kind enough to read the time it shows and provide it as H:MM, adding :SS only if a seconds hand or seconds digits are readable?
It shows 10:32:12
